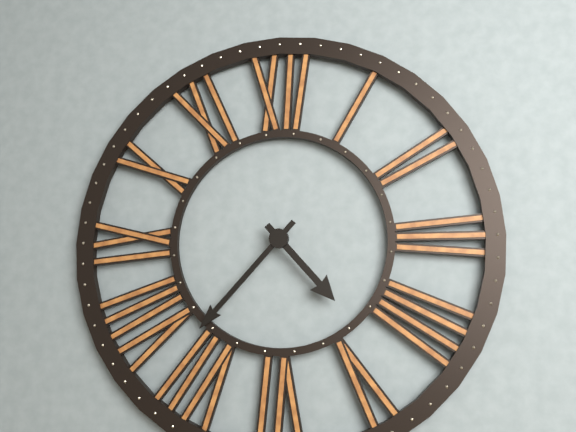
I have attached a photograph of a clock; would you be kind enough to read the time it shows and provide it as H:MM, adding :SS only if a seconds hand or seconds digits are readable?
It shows 4:37
